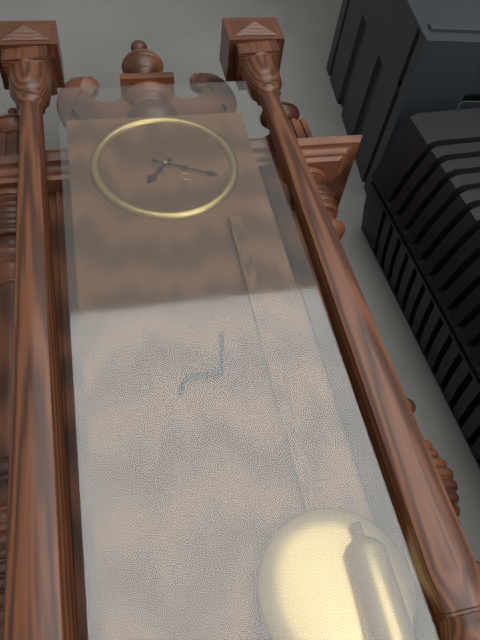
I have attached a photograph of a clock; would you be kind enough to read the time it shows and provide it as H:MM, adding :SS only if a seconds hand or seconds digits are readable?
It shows 7:19
